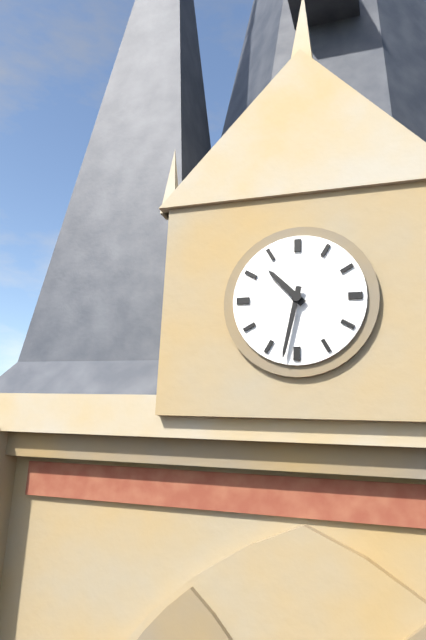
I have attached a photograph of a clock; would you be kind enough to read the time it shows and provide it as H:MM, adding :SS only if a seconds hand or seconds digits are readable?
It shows 10:32
